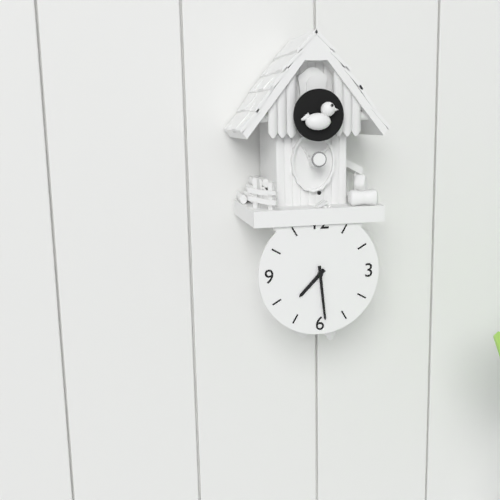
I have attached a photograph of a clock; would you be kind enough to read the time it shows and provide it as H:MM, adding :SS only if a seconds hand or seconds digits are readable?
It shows 7:29
